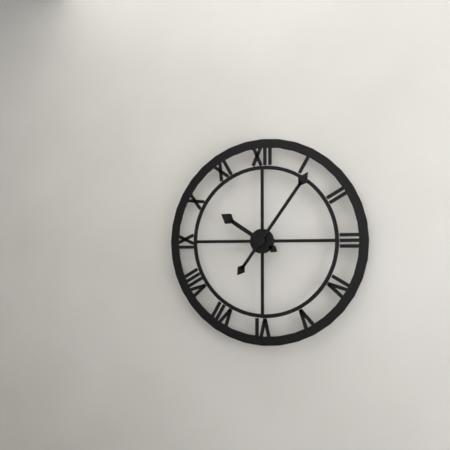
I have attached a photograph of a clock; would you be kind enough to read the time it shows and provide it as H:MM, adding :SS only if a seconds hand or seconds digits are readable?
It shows 10:06
